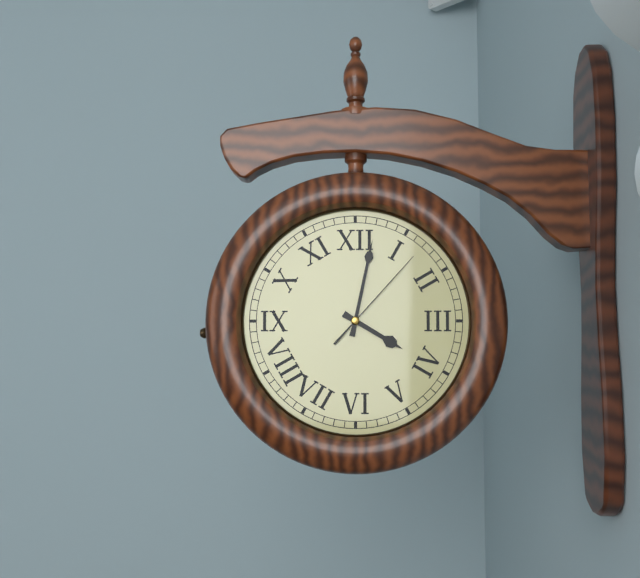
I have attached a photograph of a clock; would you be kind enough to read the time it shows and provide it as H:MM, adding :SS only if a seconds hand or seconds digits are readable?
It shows 4:02:07
